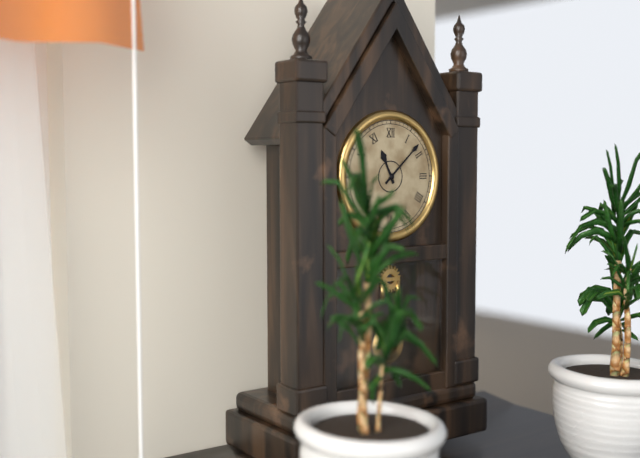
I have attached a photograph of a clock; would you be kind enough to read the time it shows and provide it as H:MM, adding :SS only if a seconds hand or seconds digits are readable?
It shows 11:08
